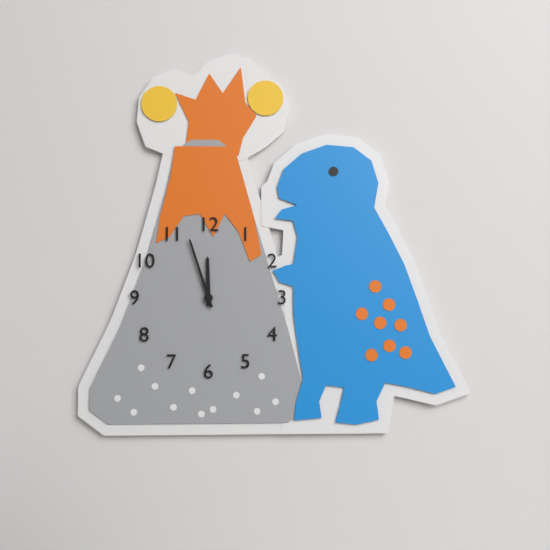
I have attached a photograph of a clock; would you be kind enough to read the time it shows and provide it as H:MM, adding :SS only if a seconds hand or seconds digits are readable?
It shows 11:57
